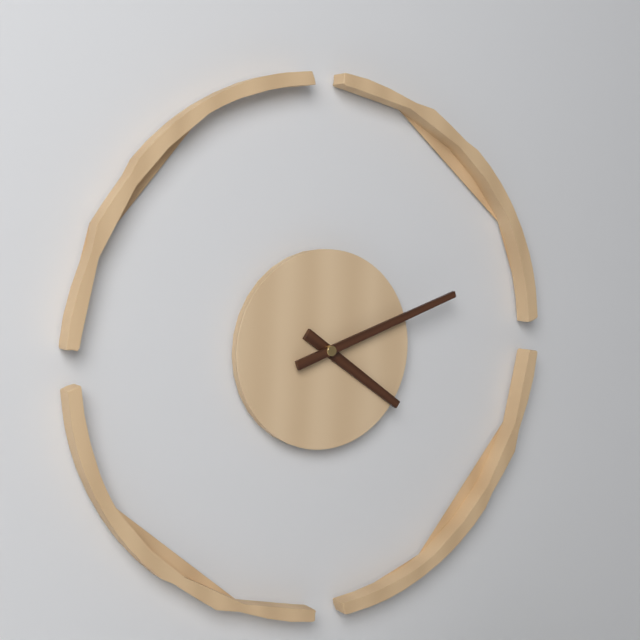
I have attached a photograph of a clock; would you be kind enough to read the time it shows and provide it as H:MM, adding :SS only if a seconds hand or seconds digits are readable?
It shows 4:12
